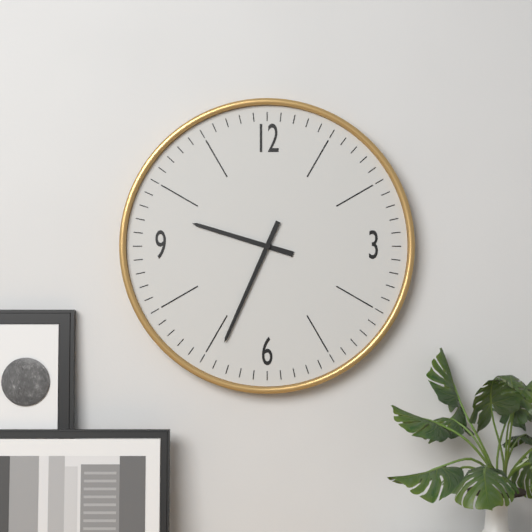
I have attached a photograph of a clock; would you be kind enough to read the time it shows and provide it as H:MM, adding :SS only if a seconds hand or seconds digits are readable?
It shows 9:34
